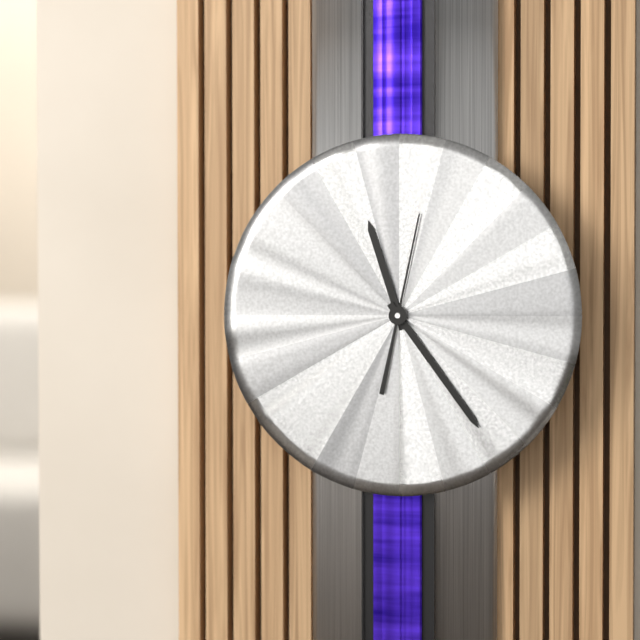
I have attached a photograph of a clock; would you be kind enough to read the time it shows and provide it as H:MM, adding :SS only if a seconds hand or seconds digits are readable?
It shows 11:24:02
